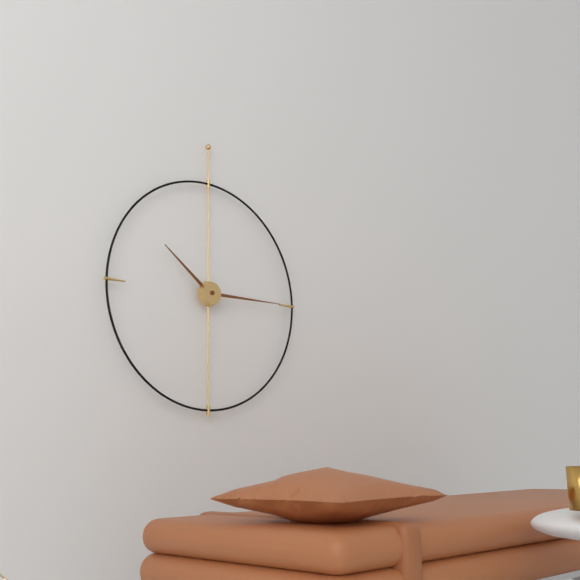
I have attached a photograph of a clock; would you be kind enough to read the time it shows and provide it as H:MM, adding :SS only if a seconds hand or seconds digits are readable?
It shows 10:15
